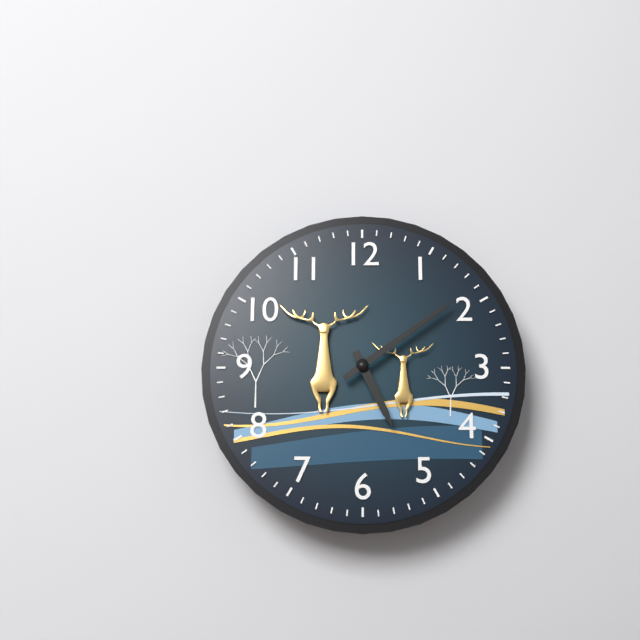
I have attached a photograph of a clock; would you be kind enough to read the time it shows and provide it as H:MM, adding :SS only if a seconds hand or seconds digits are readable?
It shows 5:09
